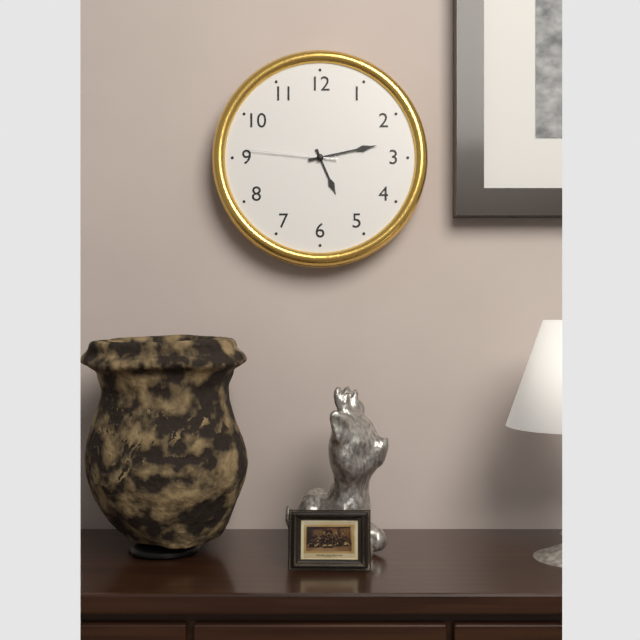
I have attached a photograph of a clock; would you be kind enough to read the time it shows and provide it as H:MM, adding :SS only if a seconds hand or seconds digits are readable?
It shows 5:13:46
